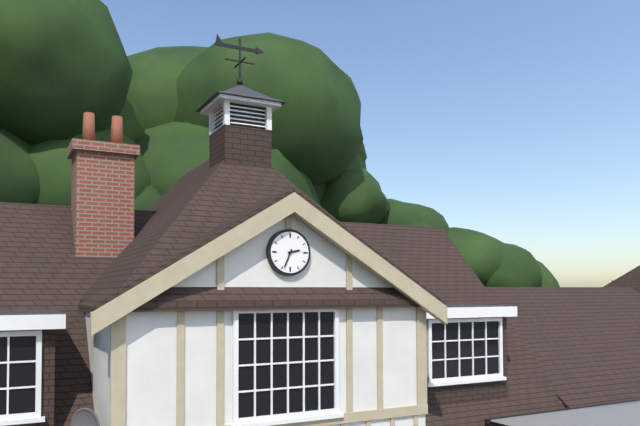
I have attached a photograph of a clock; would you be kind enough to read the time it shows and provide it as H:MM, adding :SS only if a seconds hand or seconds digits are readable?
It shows 2:34
